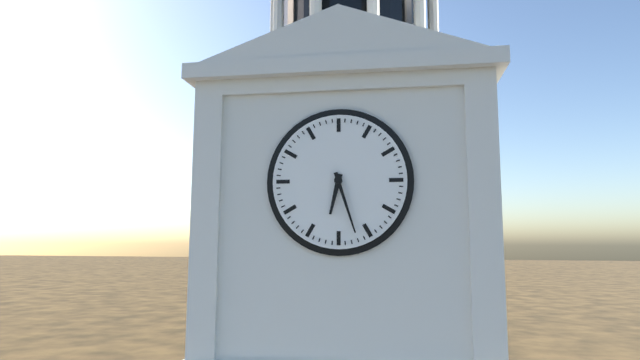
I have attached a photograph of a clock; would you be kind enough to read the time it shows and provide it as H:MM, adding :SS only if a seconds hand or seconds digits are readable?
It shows 6:27
